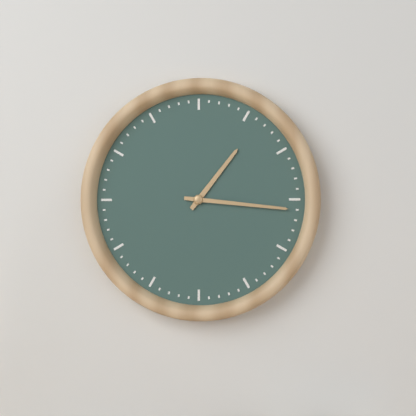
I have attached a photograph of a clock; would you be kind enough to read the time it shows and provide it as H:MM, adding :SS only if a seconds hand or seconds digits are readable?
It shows 1:16
